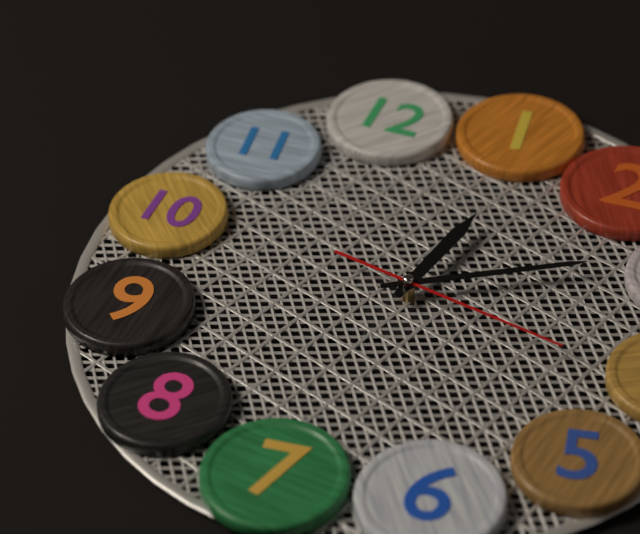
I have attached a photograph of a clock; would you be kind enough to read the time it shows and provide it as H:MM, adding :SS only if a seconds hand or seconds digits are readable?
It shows 1:14:21
